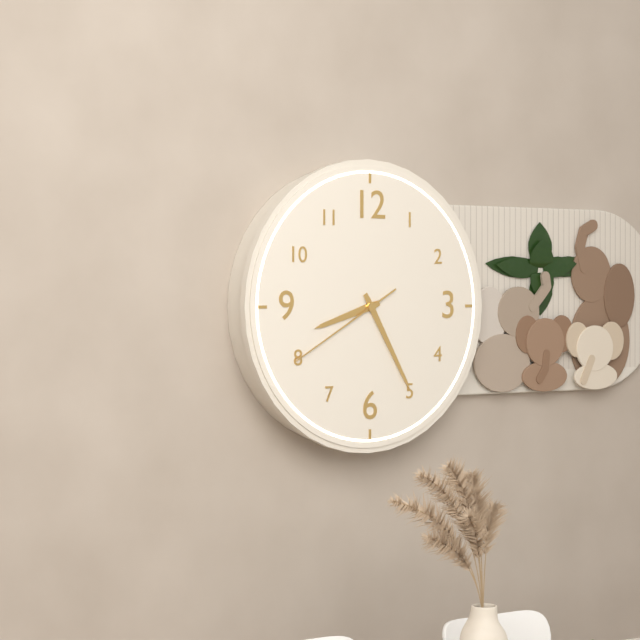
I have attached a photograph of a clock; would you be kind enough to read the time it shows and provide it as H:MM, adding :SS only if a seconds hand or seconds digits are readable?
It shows 8:25:40
